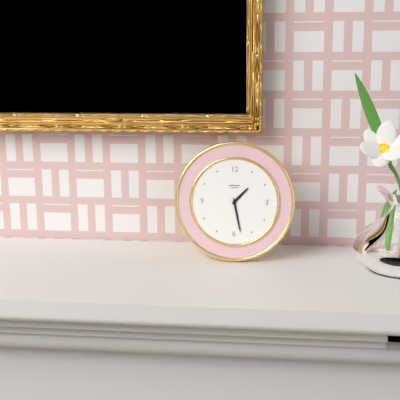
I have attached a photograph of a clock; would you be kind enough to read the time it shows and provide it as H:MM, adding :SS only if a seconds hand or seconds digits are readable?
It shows 1:28
